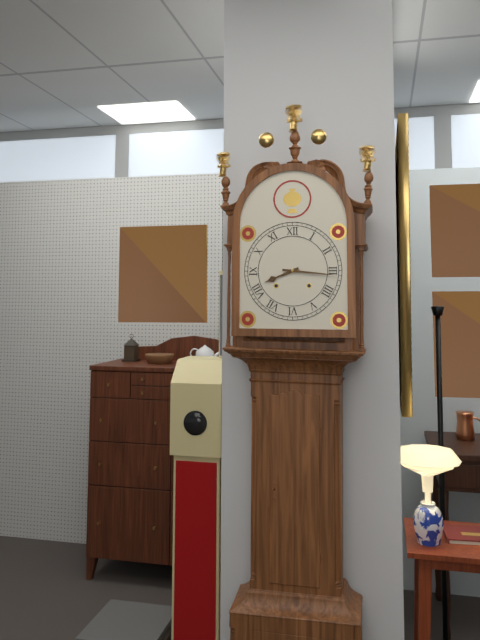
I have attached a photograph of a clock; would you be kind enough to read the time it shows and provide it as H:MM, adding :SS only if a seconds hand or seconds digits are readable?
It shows 8:16
